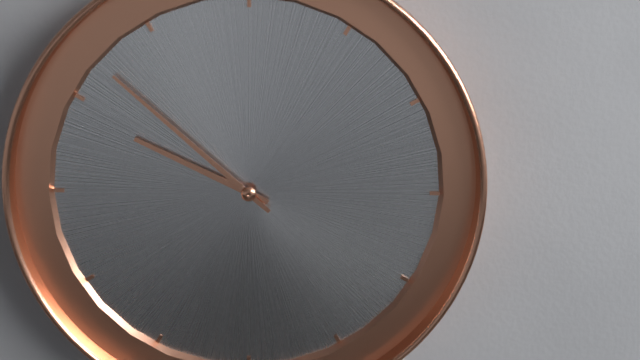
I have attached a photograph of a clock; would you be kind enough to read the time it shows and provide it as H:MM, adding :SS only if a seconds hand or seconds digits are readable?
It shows 9:52
